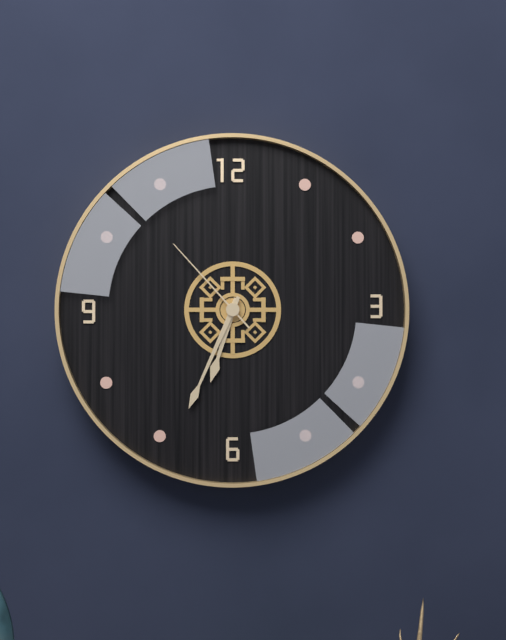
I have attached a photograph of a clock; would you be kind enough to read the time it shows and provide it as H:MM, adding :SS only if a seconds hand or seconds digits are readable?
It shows 6:34:53
